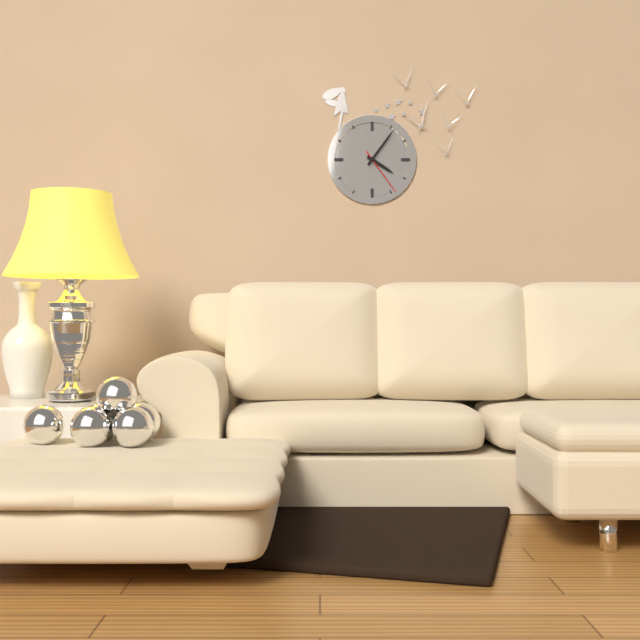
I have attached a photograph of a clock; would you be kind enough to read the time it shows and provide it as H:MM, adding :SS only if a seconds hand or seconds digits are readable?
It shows 4:06
